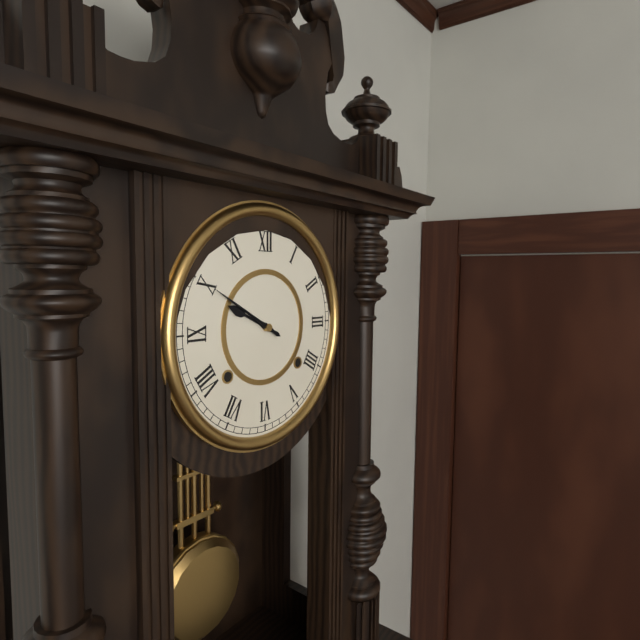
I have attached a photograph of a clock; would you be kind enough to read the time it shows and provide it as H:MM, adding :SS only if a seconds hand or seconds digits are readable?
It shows 9:50
